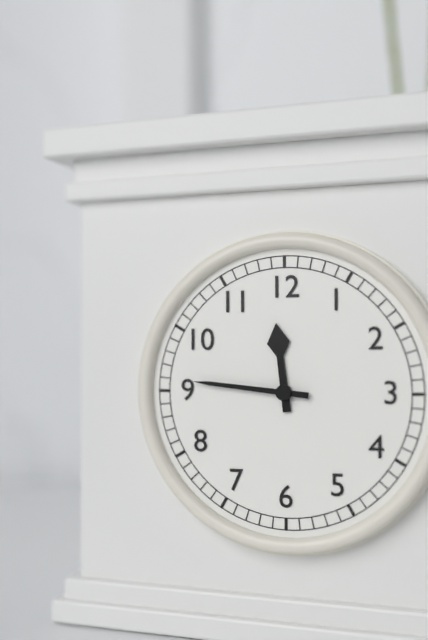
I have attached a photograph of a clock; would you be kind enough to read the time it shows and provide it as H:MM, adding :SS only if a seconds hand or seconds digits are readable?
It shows 11:46
